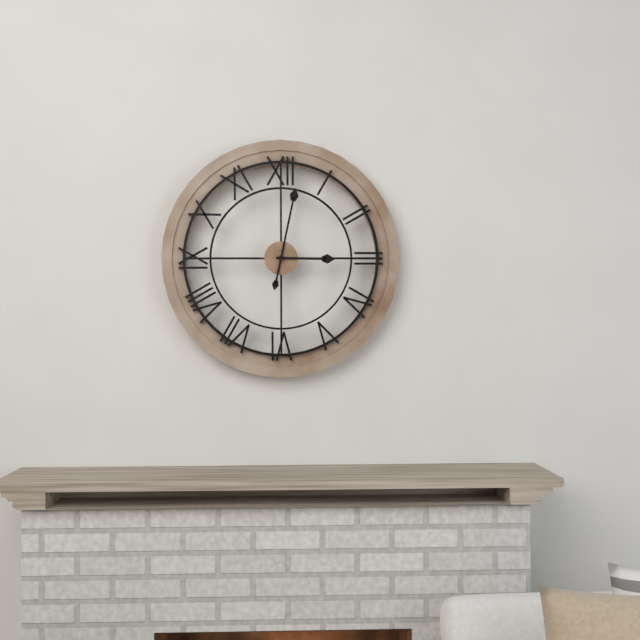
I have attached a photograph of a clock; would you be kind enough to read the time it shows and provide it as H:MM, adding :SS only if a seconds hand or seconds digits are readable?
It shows 3:02
